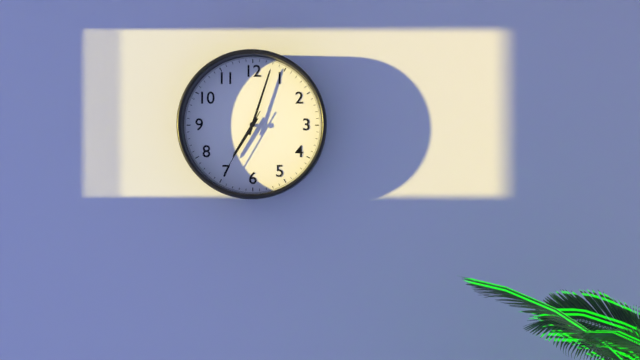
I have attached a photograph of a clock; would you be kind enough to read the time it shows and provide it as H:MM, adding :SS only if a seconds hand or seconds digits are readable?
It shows 7:03:35
